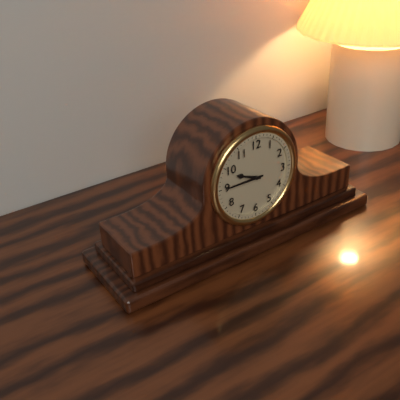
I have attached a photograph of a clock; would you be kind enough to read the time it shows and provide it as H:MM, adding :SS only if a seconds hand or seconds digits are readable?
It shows 9:45
